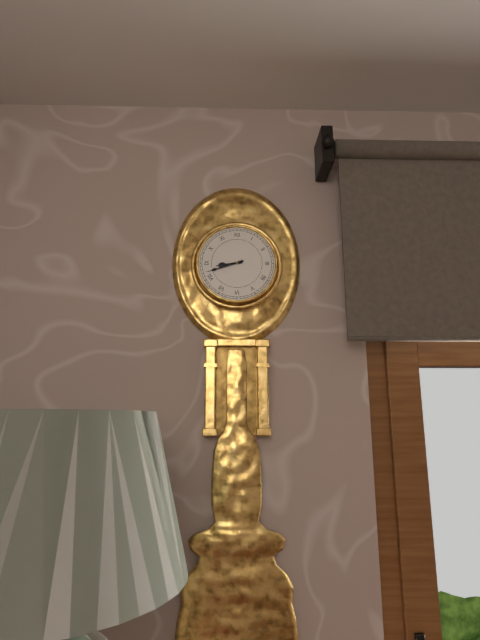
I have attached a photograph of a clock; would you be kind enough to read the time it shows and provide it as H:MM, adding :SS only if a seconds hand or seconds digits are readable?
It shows 8:42
